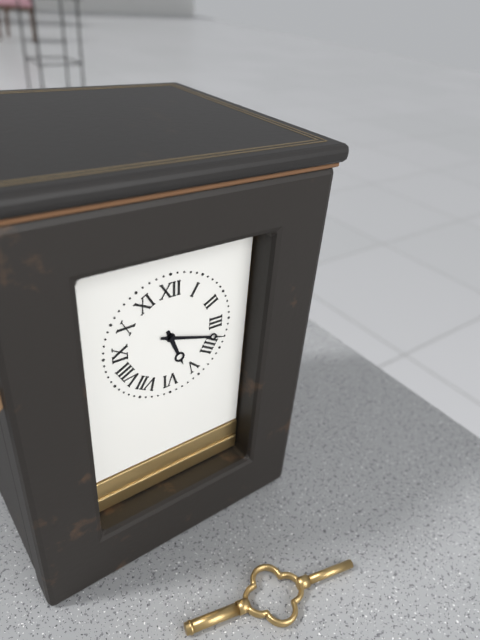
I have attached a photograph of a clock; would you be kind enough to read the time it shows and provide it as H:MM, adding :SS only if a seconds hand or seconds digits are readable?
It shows 5:18
